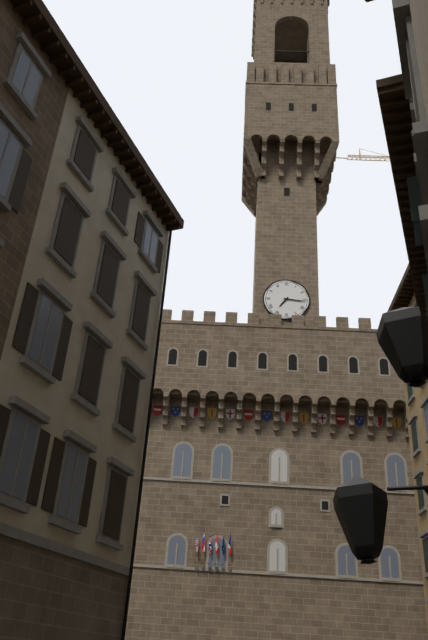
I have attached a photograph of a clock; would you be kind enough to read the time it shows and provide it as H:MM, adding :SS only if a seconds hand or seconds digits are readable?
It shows 7:16
